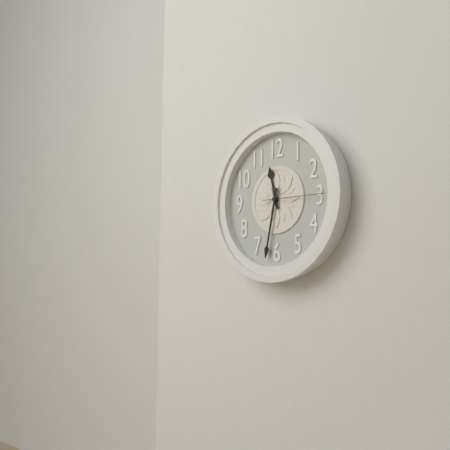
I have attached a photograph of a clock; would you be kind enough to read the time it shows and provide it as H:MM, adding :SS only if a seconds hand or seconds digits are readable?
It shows 11:32:15
